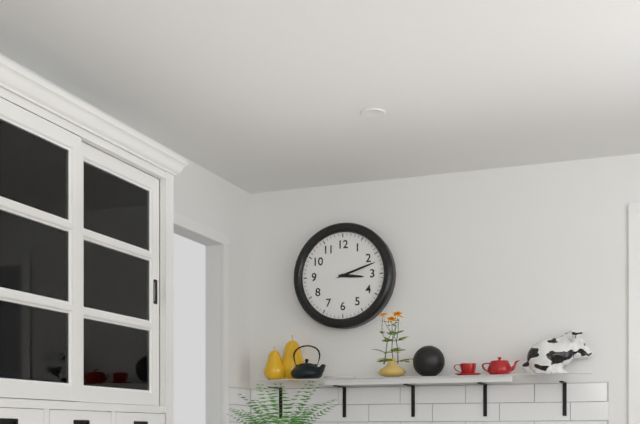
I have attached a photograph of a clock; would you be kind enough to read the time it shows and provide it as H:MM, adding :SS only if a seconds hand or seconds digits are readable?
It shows 3:12
